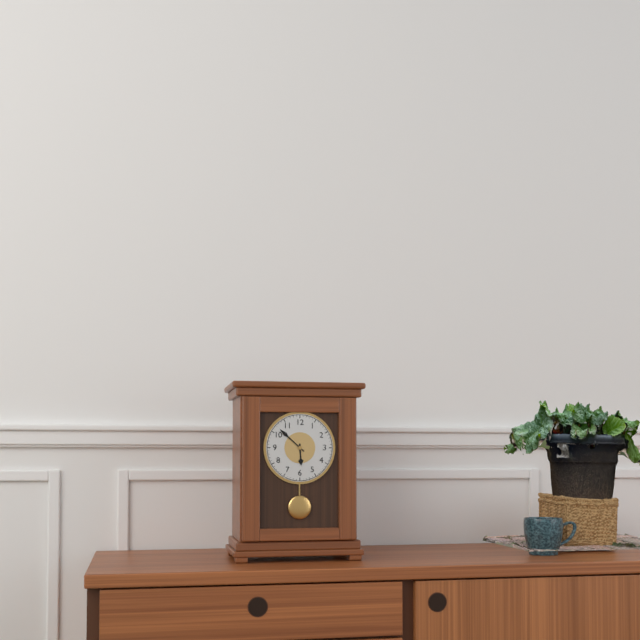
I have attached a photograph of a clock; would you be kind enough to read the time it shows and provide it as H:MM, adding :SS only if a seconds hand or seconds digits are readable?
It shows 5:52
